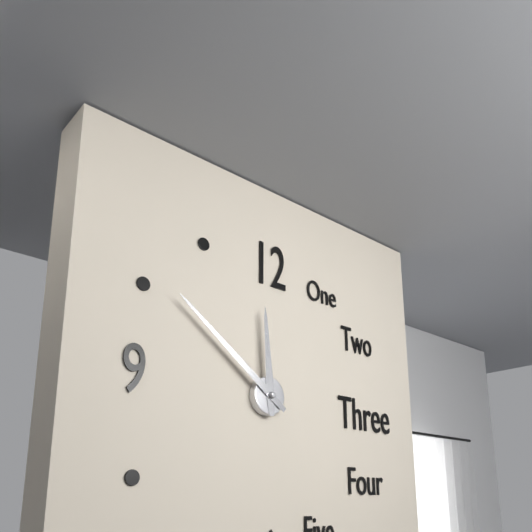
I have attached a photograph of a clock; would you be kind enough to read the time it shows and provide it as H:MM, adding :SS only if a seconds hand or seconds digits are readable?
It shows 11:51
